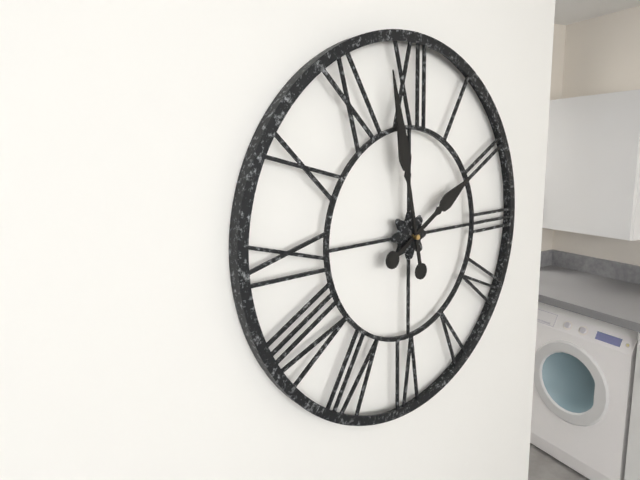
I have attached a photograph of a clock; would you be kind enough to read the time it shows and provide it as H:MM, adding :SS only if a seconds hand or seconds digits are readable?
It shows 1:58
